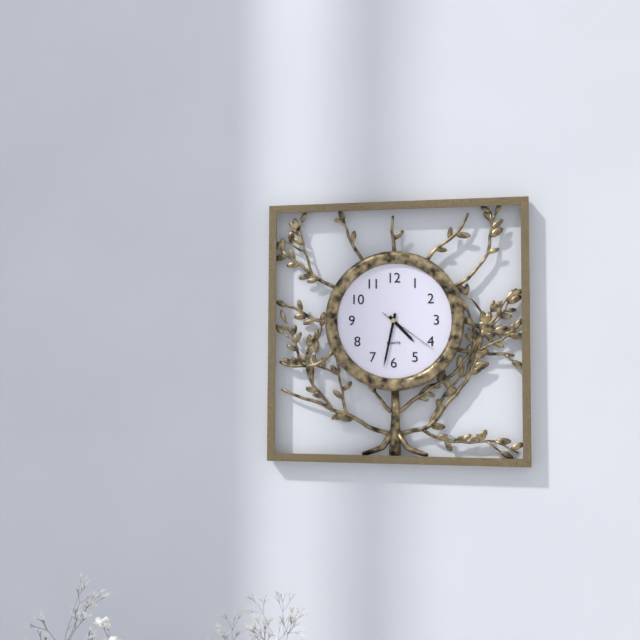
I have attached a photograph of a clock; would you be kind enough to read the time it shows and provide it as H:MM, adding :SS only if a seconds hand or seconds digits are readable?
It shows 4:32:21
